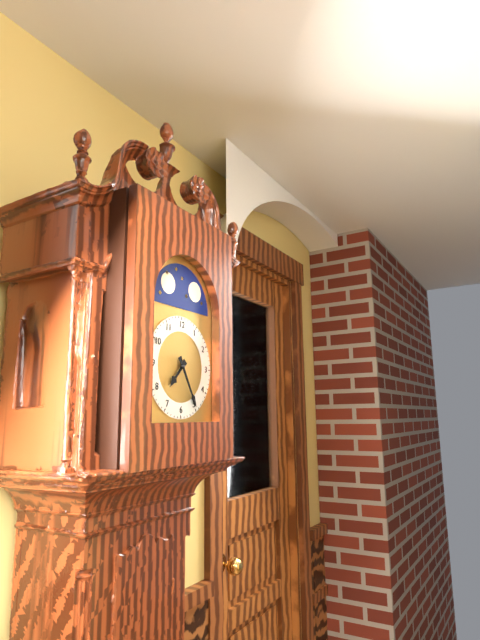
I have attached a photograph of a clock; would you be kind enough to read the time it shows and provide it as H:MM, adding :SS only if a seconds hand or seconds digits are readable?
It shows 7:25
